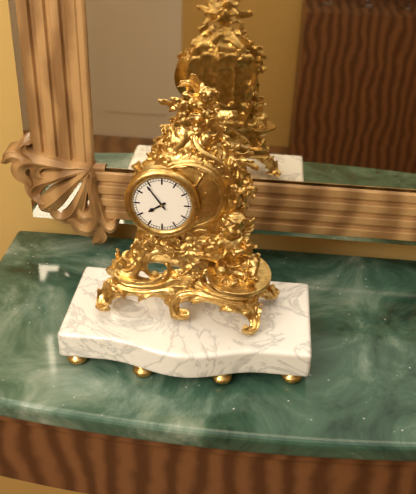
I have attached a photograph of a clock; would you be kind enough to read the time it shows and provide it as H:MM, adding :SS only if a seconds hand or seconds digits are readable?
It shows 7:54
